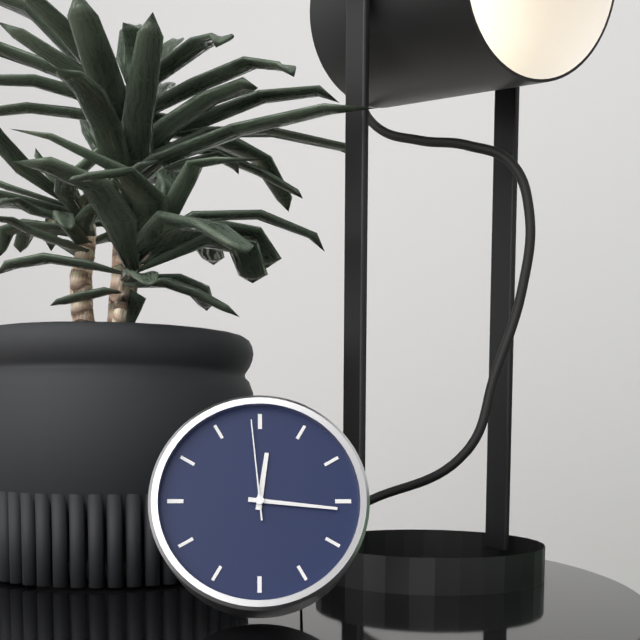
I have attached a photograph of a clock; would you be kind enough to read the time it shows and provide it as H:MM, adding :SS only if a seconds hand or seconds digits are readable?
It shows 12:16:59
